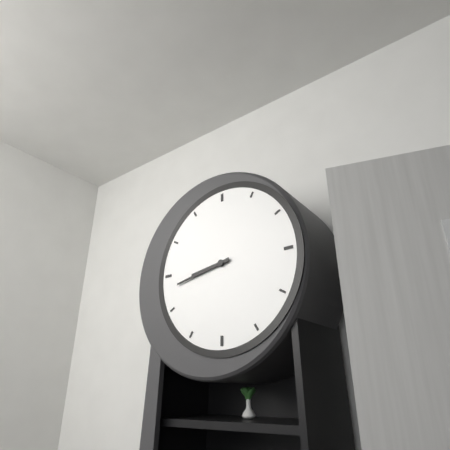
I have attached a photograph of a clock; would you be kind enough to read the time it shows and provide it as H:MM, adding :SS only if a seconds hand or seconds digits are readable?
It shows 8:43
